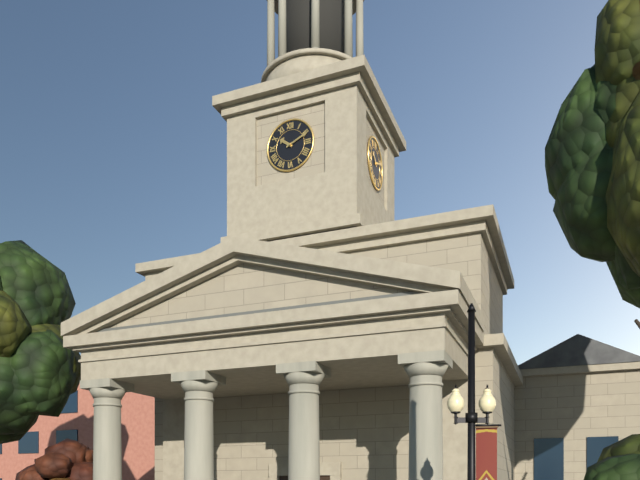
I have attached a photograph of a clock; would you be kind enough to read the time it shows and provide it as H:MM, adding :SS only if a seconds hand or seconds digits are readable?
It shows 10:11
